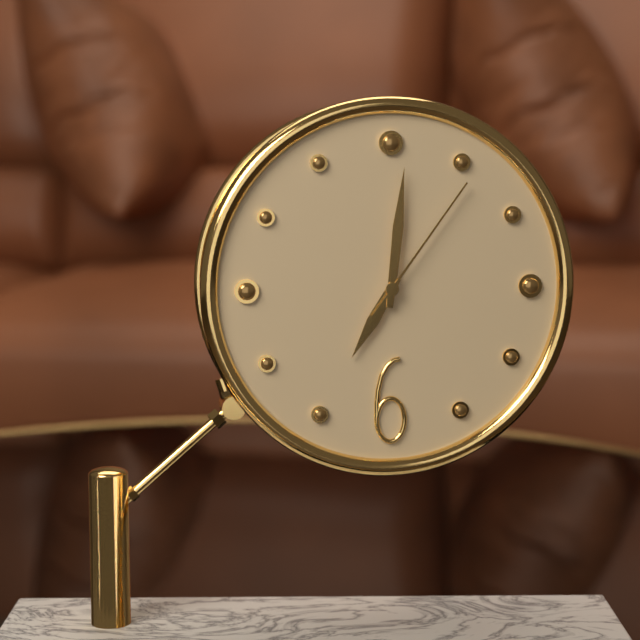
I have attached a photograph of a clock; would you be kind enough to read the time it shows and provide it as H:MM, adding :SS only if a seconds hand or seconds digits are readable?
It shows 7:01:06
